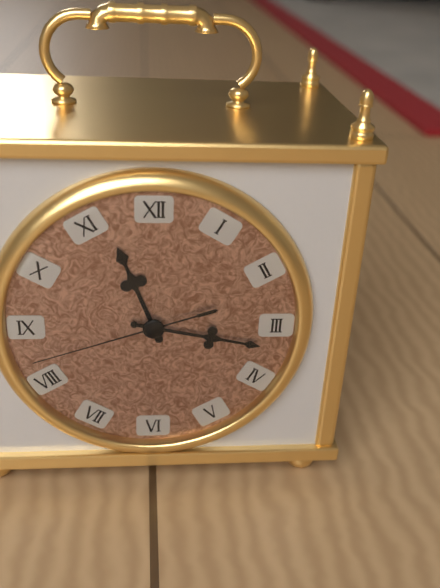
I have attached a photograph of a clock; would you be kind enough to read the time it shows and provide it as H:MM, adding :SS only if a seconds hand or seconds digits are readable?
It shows 11:17:42
